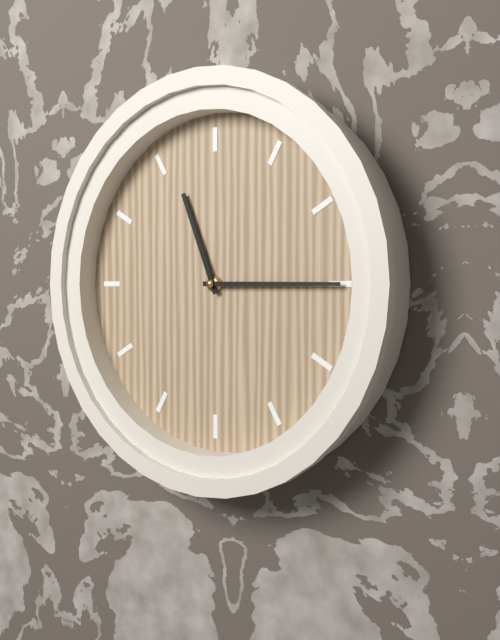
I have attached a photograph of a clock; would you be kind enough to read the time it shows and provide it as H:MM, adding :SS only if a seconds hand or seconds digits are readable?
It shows 11:15
